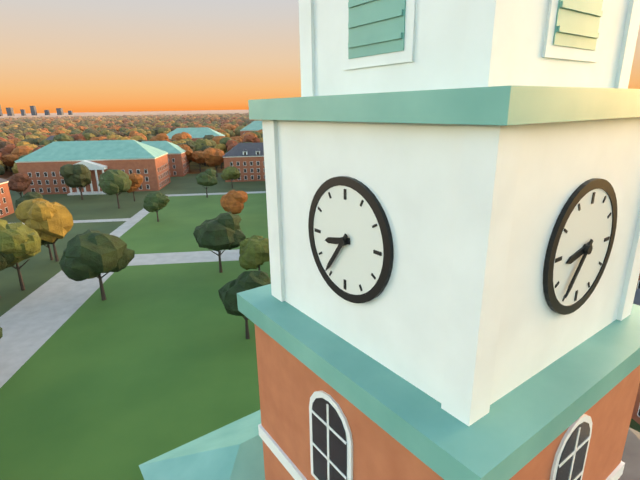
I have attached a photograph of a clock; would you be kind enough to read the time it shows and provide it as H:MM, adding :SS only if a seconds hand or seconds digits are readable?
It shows 8:36
